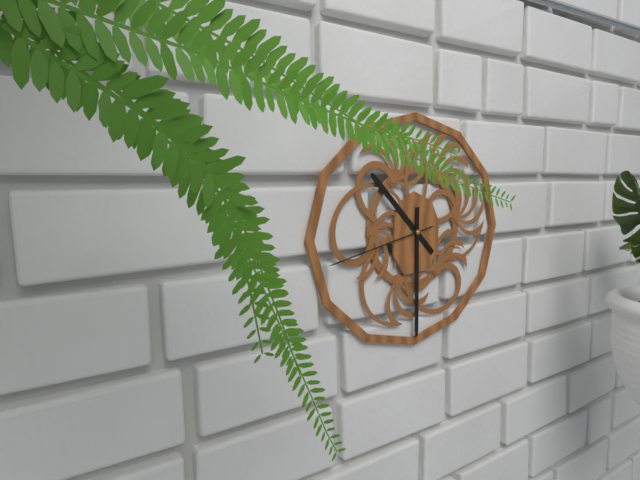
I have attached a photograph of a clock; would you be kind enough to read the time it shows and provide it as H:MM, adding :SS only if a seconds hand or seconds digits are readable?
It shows 10:30:43
